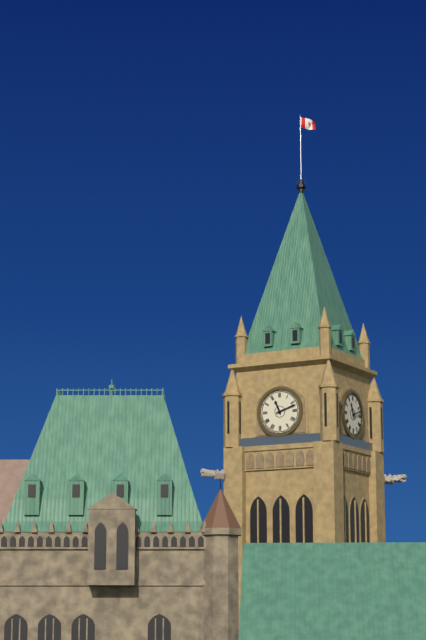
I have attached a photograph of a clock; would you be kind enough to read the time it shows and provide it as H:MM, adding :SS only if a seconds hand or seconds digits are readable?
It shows 11:12
